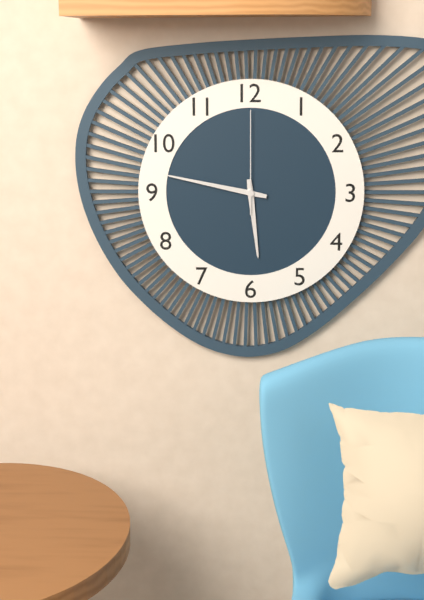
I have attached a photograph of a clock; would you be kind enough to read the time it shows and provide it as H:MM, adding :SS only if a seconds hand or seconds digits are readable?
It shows 5:47:00
